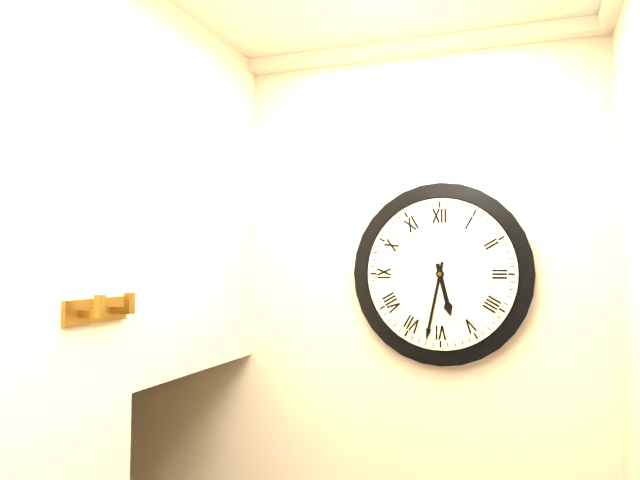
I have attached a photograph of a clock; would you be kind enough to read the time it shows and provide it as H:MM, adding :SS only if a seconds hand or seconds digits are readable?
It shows 5:32
